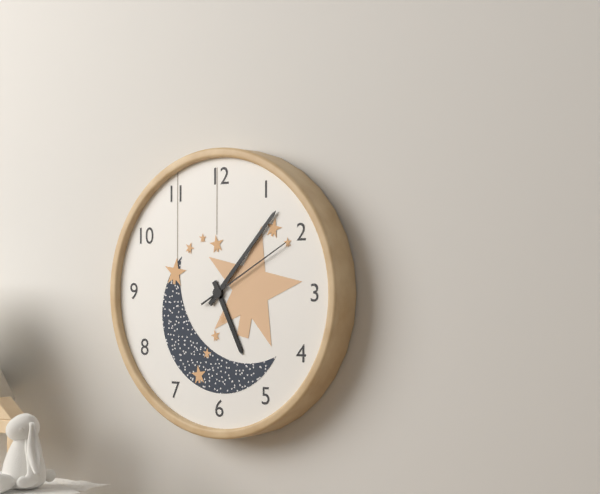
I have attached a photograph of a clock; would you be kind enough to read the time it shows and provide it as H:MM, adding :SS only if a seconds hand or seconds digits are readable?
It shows 5:07:10
